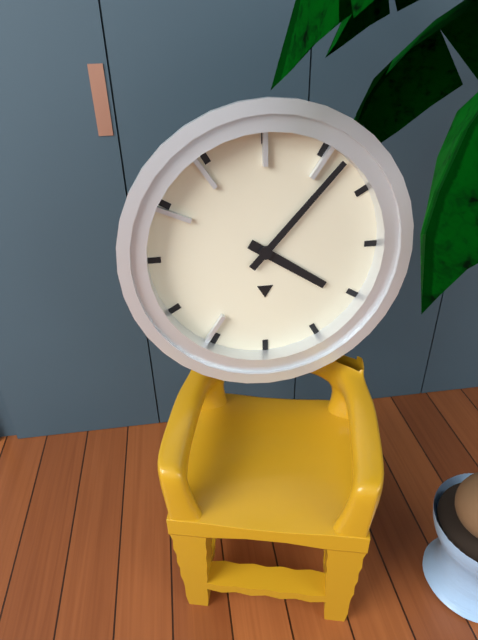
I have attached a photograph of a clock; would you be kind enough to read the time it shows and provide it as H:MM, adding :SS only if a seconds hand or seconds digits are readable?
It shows 4:07
